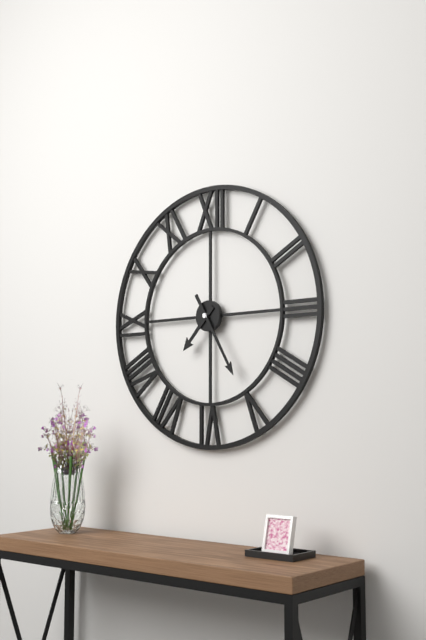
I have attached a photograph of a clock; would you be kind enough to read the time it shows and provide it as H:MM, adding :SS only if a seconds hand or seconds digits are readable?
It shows 7:25
